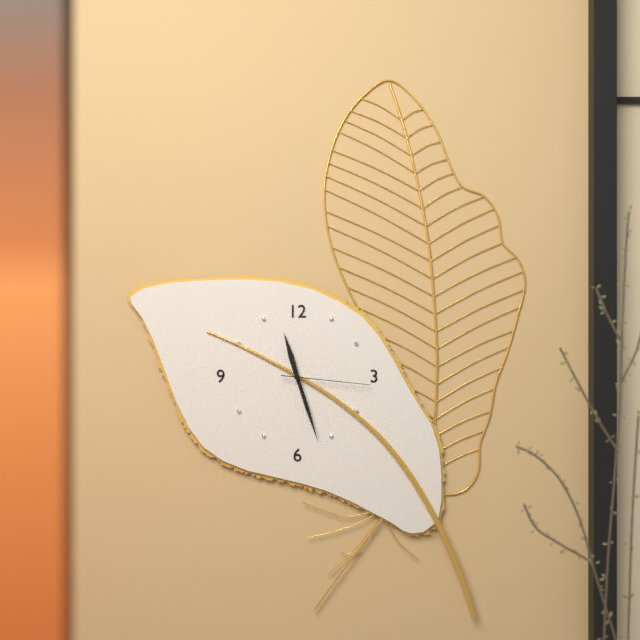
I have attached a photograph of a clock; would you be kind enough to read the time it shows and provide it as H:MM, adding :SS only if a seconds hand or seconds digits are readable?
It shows 11:27:16
